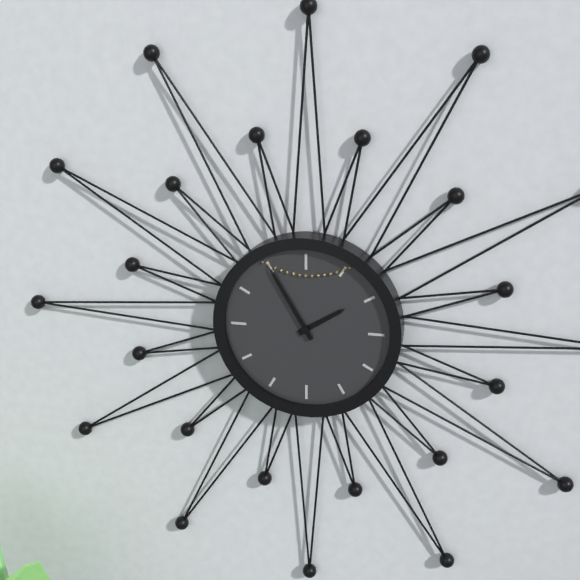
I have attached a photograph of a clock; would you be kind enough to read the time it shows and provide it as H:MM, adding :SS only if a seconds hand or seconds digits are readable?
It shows 1:55
